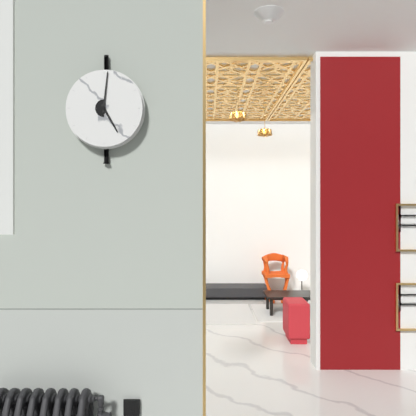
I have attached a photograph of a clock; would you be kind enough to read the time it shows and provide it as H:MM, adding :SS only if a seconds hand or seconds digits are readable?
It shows 5:01
